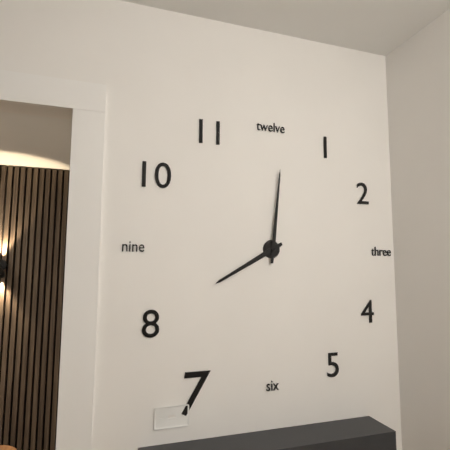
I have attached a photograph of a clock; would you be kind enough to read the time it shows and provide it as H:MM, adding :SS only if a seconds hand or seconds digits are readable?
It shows 8:01
